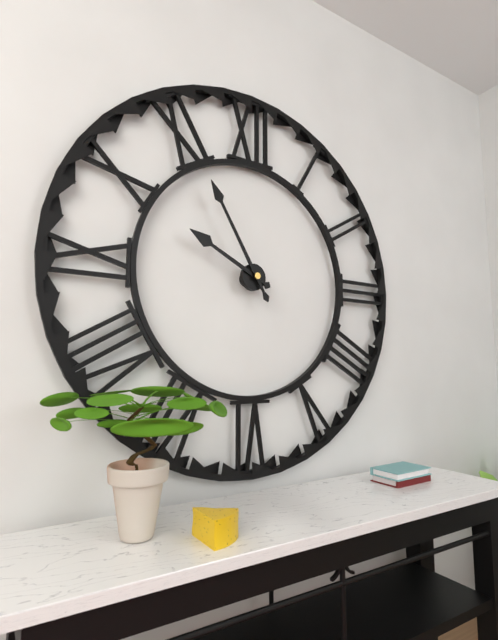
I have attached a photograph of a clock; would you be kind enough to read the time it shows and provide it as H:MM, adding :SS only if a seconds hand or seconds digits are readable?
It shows 9:55
